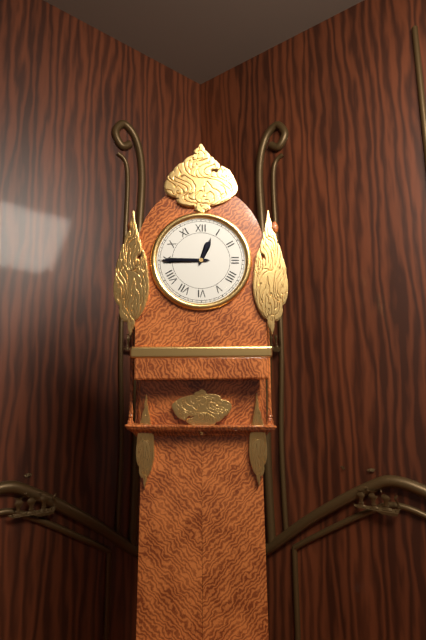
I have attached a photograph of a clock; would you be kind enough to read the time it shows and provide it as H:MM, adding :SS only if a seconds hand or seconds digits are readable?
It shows 12:45
